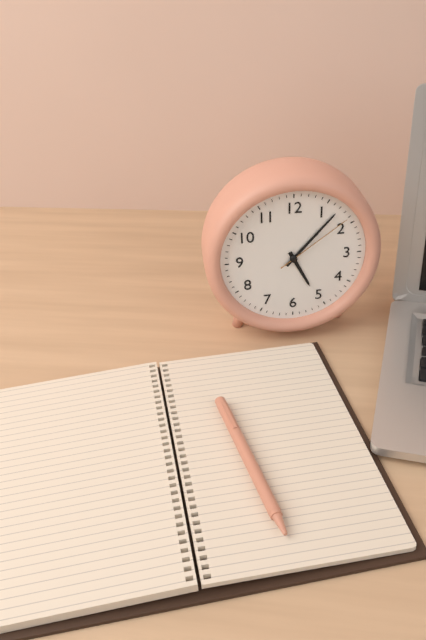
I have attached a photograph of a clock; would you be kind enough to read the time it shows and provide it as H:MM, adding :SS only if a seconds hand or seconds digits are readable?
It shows 5:07:09
